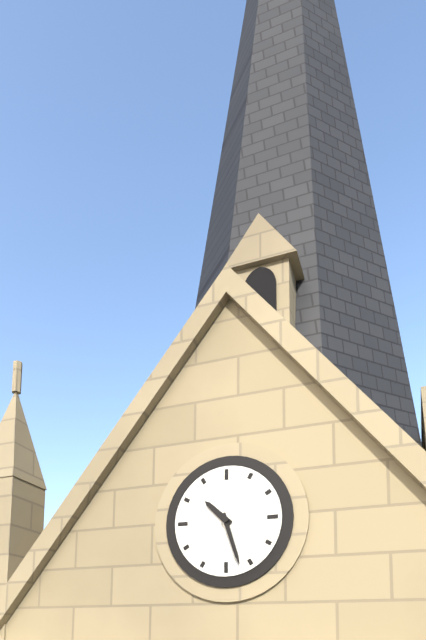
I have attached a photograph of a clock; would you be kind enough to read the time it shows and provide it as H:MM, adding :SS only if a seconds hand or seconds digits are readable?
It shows 10:27
